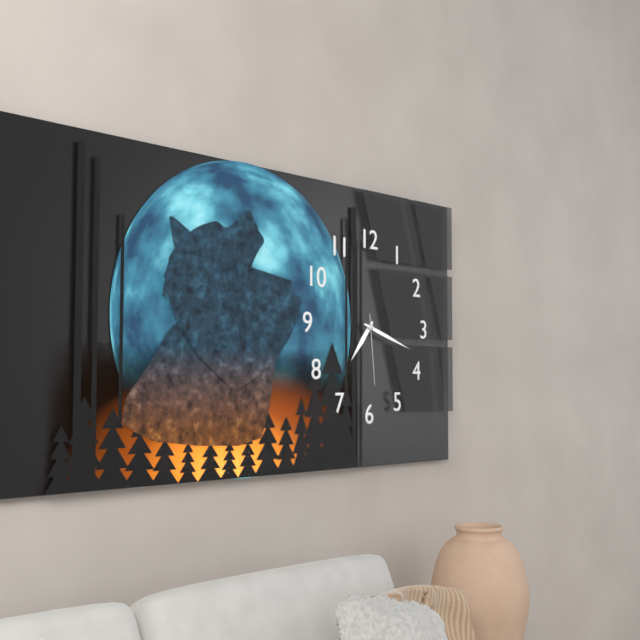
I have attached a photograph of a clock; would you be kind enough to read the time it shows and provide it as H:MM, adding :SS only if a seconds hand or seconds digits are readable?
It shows 7:18:29
